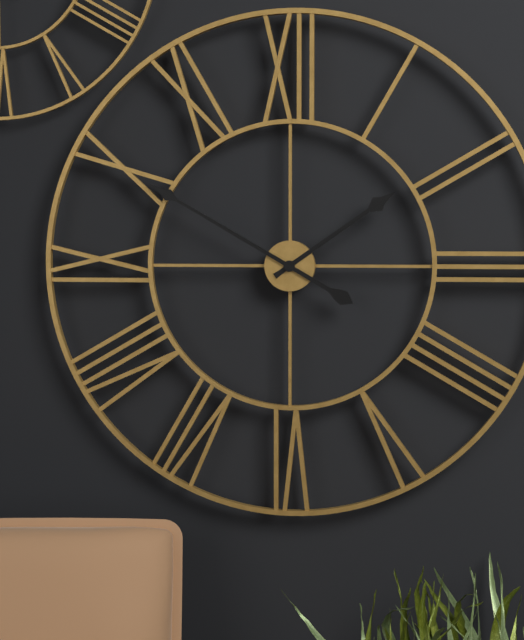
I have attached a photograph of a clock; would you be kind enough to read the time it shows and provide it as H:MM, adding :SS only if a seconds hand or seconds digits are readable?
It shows 1:50
